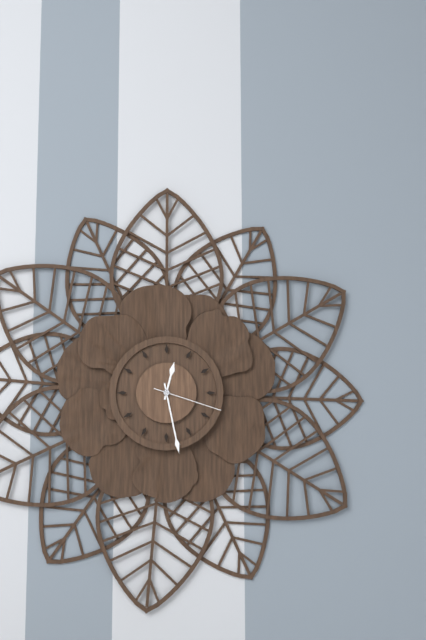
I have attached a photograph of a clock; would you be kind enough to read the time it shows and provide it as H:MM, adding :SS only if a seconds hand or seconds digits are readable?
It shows 12:28:18
